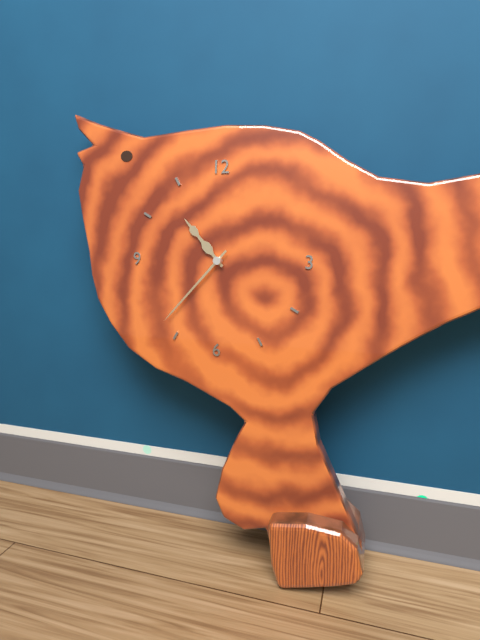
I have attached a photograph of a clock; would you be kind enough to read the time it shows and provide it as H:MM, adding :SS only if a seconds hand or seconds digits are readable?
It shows 10:37
